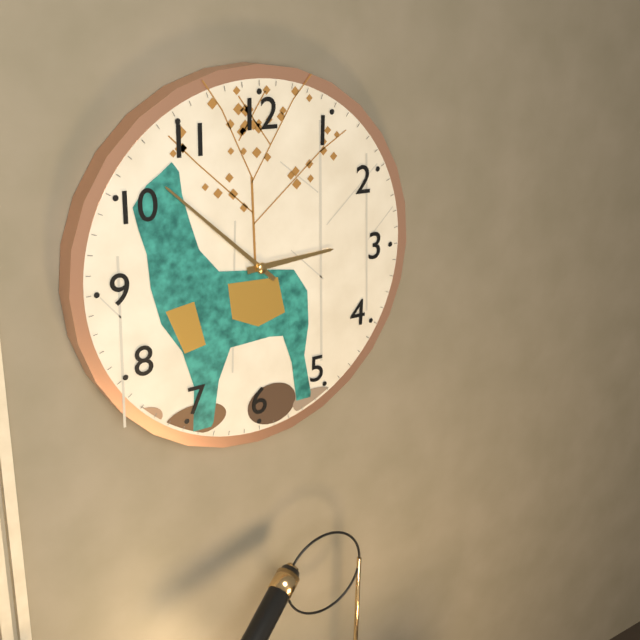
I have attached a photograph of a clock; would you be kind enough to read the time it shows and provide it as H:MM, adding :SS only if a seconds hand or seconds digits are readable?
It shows 2:52
